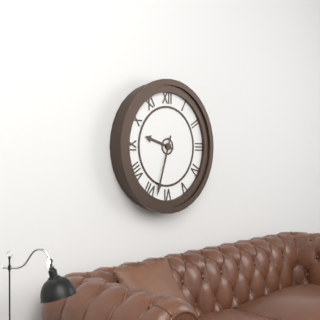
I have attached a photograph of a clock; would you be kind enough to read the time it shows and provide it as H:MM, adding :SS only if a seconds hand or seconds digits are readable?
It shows 9:33
